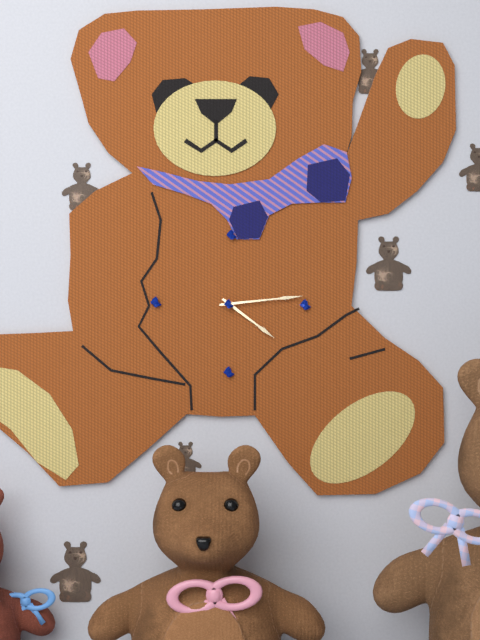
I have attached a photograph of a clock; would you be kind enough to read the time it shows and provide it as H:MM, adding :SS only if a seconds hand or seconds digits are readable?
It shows 4:14
